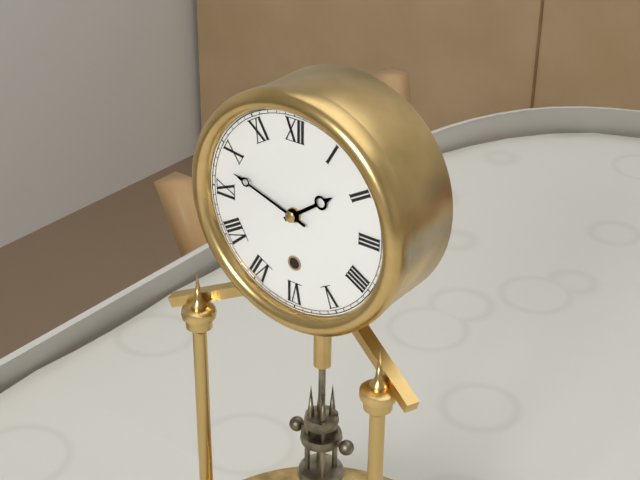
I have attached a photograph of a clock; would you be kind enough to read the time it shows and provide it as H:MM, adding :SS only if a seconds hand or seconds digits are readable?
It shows 1:48
